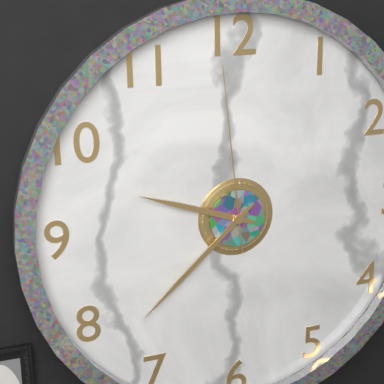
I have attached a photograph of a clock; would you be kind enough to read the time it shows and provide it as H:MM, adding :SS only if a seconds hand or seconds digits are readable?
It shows 9:38:59
